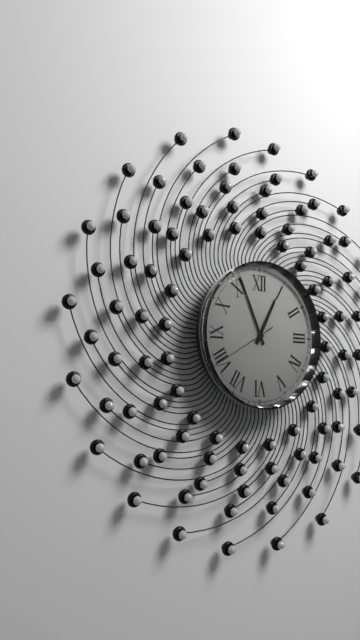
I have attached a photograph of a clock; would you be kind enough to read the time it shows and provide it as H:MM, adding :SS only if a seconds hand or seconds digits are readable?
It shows 12:56:40
